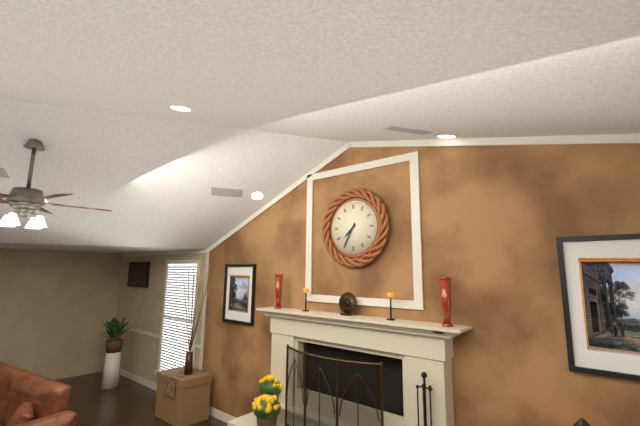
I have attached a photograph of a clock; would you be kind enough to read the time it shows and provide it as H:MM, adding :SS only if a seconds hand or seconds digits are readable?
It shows 7:35
